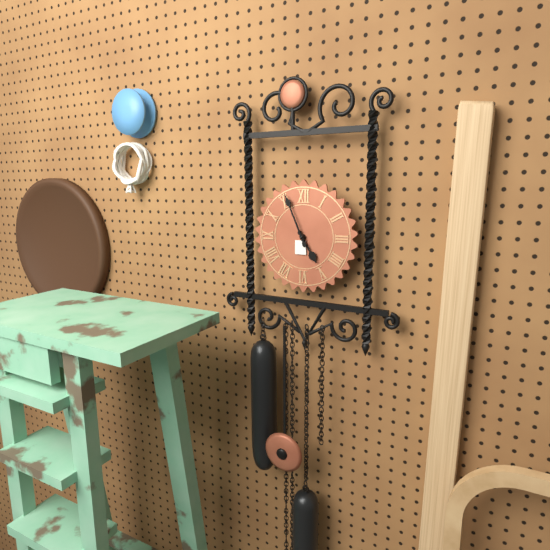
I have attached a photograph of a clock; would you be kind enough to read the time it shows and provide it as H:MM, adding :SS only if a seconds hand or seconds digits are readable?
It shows 4:56
